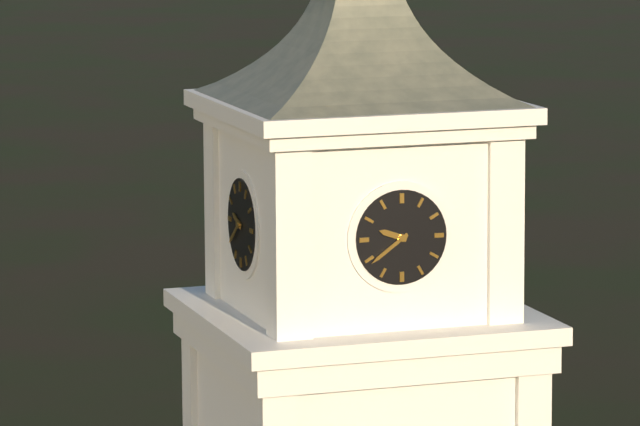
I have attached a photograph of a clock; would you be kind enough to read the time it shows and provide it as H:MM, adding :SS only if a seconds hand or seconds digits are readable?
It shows 9:39
